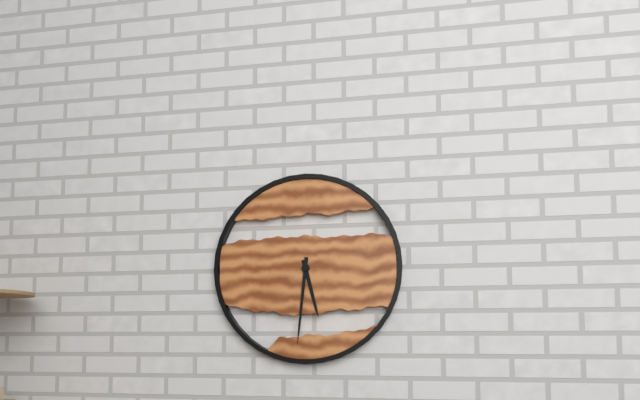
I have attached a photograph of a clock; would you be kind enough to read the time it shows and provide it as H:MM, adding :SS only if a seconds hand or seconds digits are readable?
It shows 5:31
